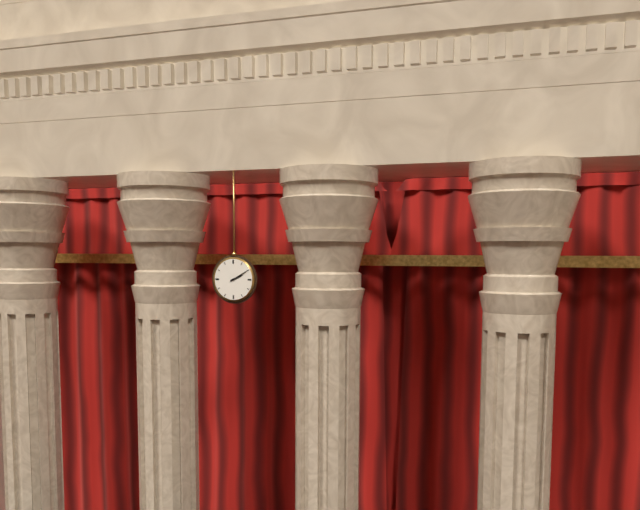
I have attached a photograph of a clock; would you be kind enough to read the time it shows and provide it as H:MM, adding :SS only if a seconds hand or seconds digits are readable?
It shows 2:10
